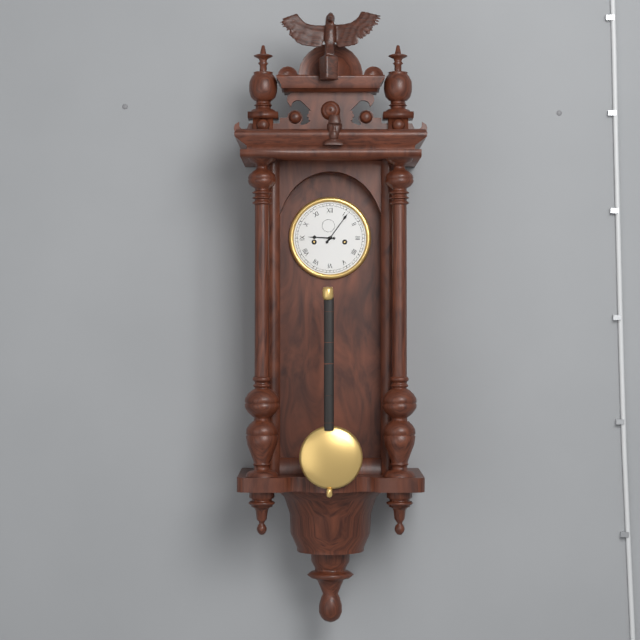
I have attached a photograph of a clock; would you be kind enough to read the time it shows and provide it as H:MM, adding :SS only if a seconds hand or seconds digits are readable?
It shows 9:06
